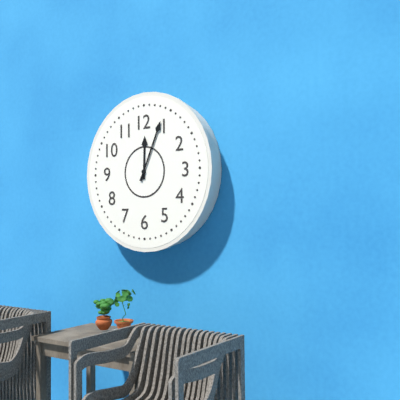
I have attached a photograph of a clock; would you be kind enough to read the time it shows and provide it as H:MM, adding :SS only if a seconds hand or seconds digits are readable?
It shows 12:04
